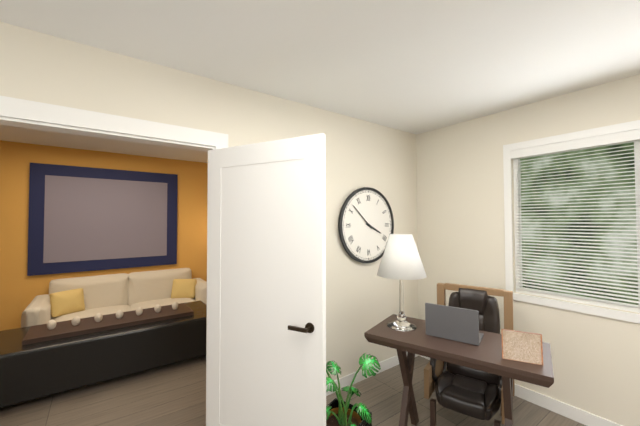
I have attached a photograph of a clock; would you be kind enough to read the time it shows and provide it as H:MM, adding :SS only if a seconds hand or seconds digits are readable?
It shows 3:52
